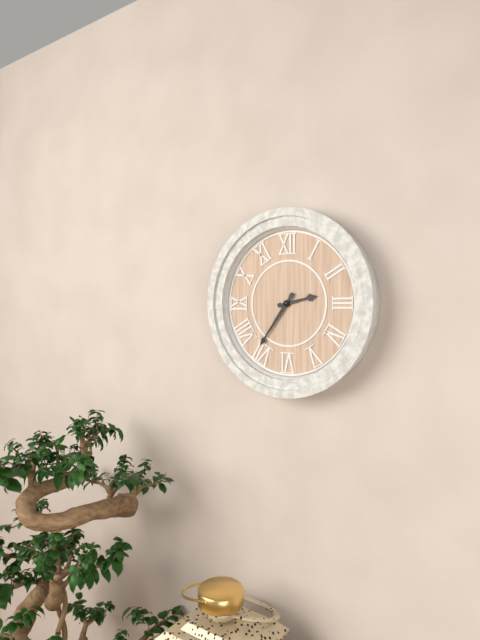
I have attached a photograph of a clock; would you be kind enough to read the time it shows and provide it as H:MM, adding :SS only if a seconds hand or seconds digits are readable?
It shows 2:36
